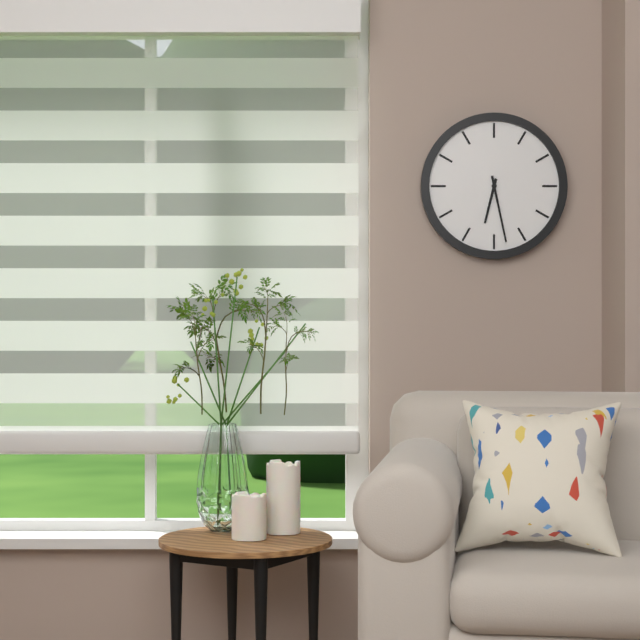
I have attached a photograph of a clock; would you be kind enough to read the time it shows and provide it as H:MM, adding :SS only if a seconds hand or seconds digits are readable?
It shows 6:28
